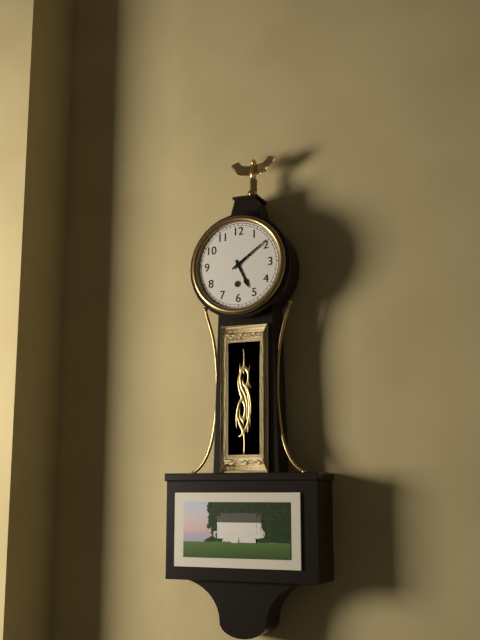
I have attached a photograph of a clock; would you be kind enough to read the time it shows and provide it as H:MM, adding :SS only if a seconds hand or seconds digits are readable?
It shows 5:09
